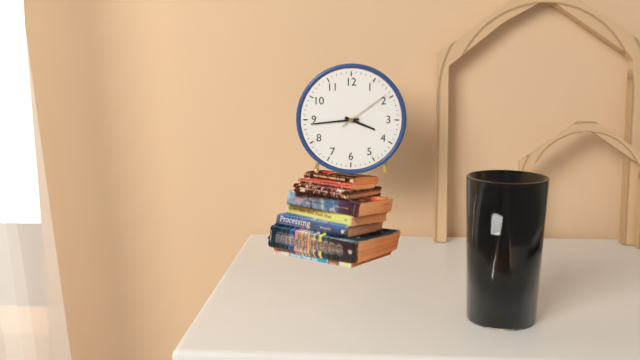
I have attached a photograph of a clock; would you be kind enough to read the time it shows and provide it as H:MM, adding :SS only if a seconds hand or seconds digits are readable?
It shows 3:44:09
